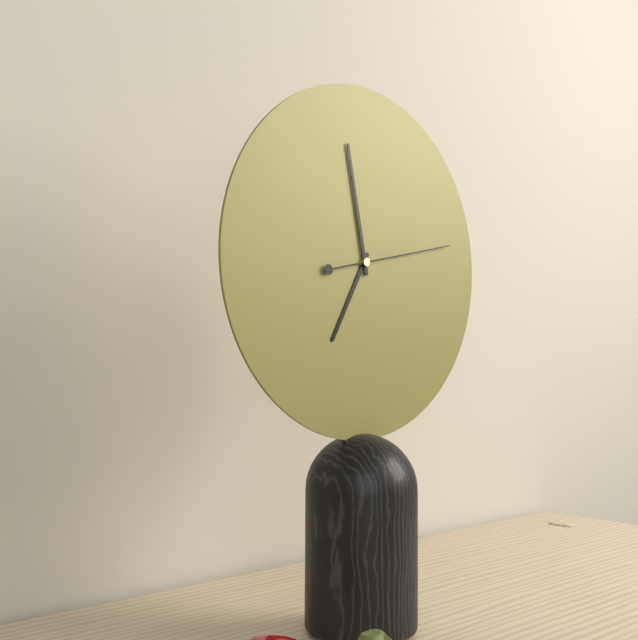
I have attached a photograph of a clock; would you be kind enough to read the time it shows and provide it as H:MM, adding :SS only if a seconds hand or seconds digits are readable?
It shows 6:58:13
